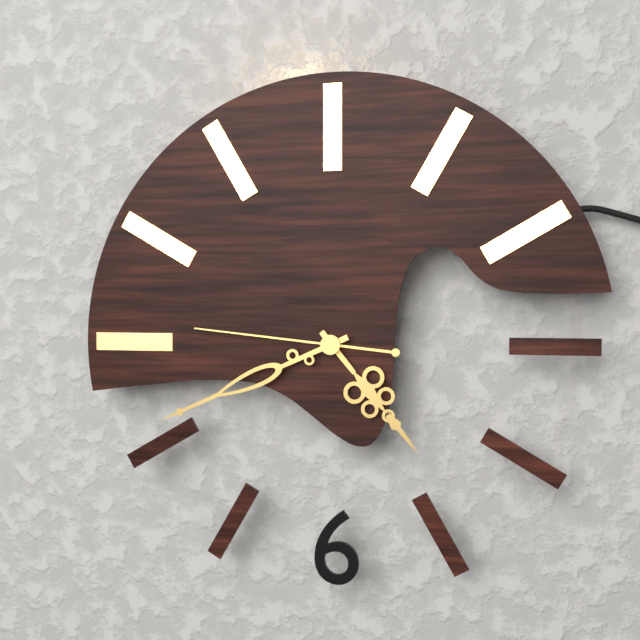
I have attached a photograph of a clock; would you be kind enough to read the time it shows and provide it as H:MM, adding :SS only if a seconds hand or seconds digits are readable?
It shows 4:41:46
